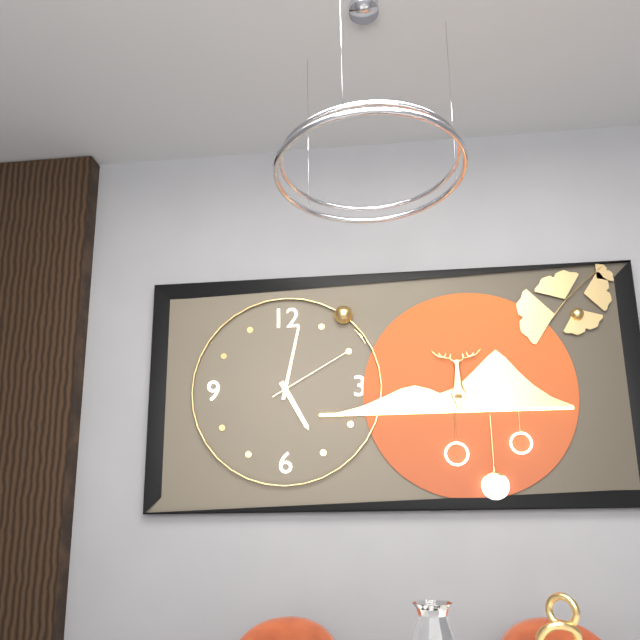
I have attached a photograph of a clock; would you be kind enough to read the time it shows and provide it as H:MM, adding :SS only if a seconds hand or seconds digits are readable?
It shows 5:02:10
